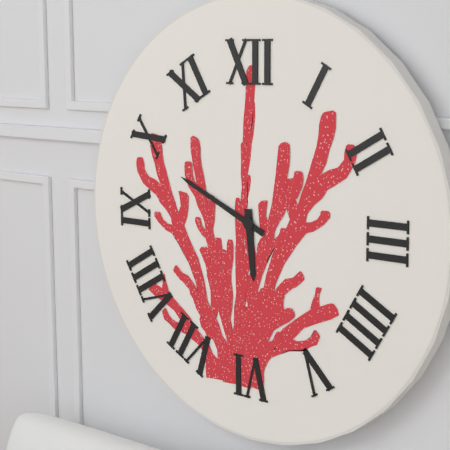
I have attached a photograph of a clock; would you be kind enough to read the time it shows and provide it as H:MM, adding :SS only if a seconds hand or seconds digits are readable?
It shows 5:49
